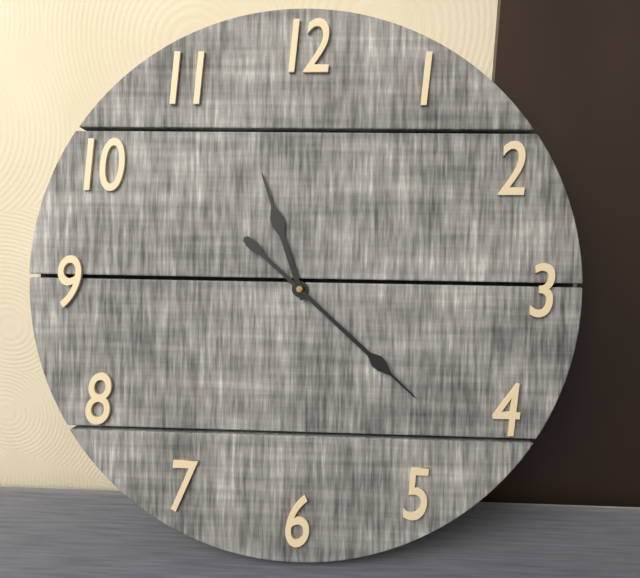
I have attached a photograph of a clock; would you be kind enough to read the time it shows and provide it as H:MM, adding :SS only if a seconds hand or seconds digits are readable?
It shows 11:22
